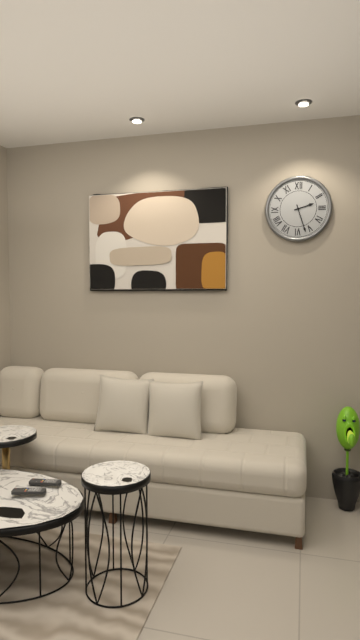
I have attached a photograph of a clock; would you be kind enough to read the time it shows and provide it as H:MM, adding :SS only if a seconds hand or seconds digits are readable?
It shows 2:27
